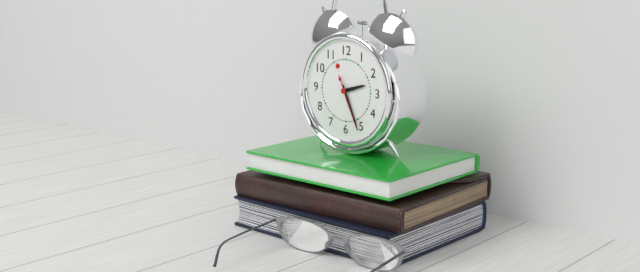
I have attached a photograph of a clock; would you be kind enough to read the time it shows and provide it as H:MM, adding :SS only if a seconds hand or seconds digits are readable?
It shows 2:26:26
